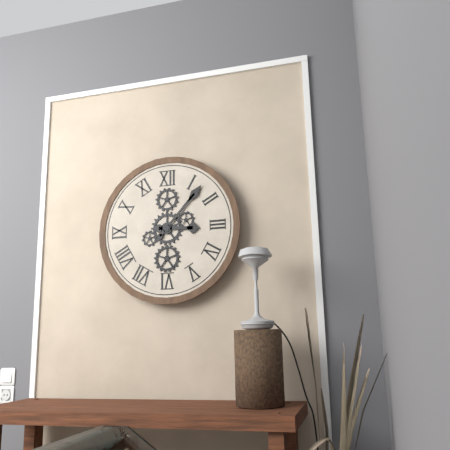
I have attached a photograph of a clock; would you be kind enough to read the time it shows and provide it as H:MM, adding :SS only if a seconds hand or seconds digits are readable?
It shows 3:07
